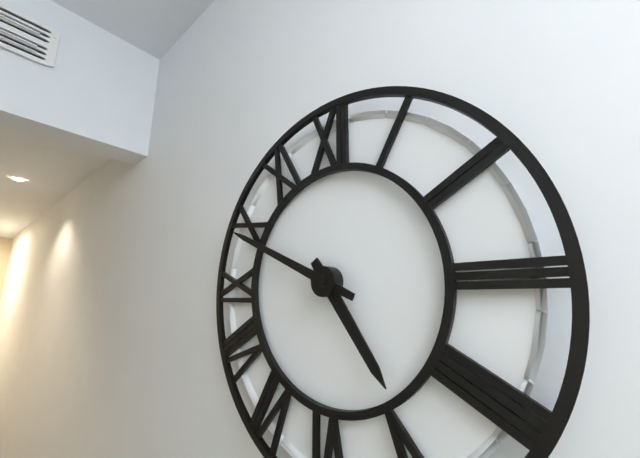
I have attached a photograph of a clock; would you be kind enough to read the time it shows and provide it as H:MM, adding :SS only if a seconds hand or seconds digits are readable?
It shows 4:49
